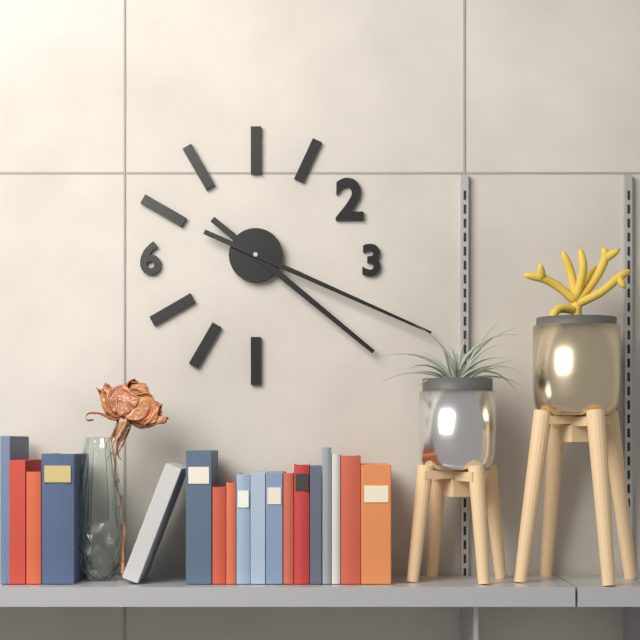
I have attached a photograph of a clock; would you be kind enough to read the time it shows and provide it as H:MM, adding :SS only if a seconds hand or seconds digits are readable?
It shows 4:19
